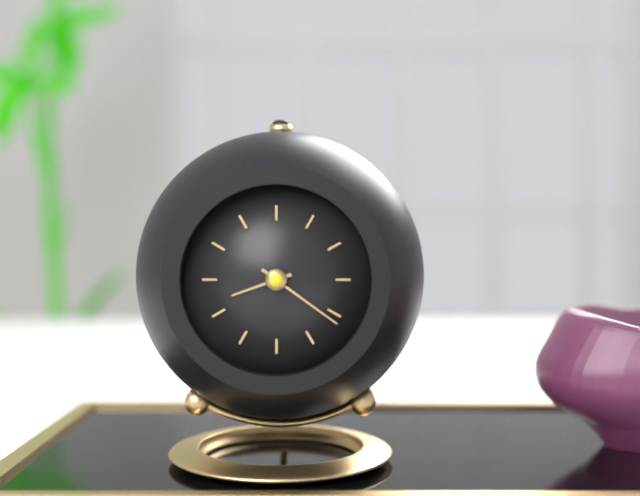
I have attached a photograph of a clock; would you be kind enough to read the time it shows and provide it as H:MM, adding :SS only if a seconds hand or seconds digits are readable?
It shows 8:21
